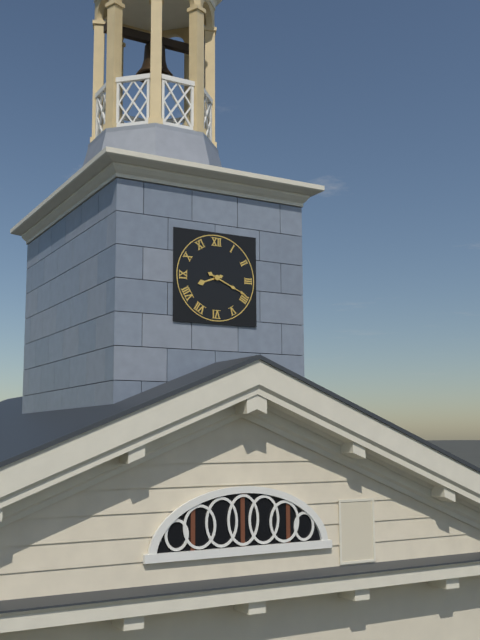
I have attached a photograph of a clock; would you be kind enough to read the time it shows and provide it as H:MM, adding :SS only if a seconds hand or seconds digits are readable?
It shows 8:19
